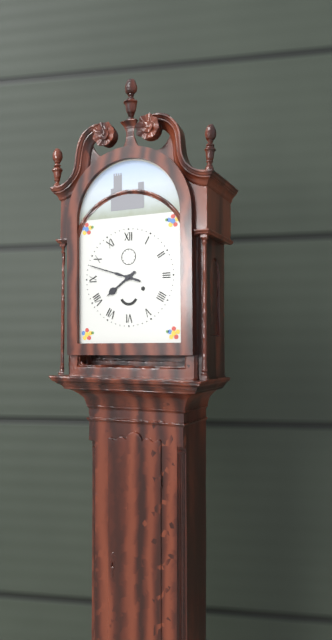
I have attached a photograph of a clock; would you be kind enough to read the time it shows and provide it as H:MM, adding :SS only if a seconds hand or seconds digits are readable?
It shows 7:48
